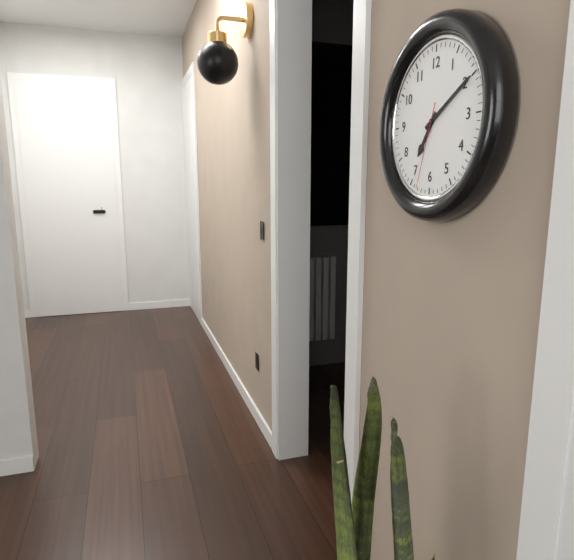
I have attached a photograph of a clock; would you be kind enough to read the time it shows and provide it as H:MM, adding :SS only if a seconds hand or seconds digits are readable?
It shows 7:10:33
